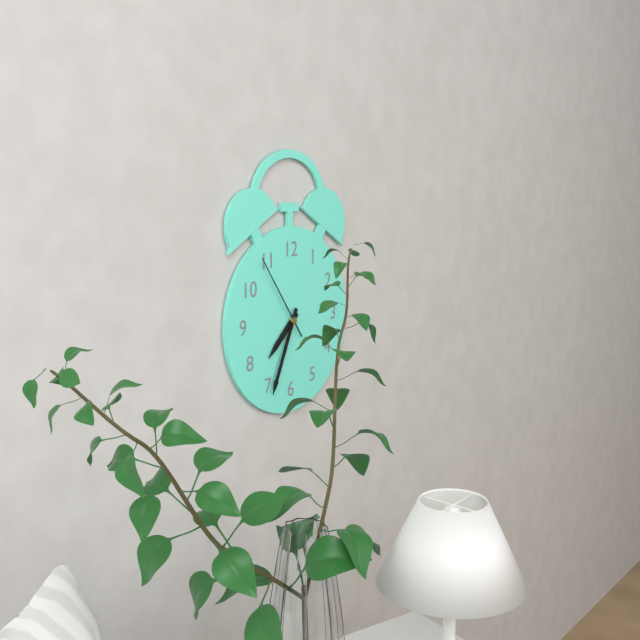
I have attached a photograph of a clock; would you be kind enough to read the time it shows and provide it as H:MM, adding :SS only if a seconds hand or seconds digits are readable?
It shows 7:34:54
